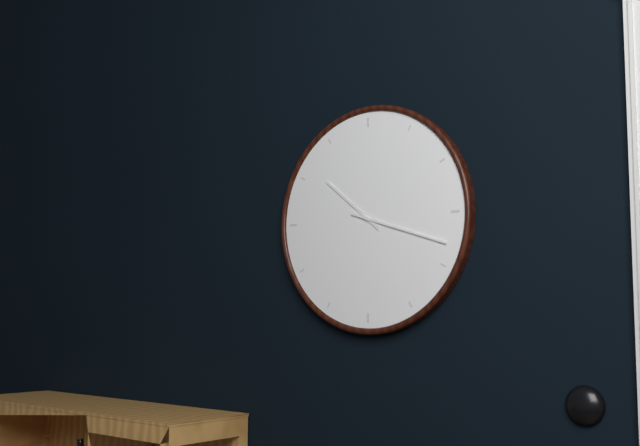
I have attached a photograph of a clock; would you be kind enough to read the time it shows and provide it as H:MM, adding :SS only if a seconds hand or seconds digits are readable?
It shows 10:18
